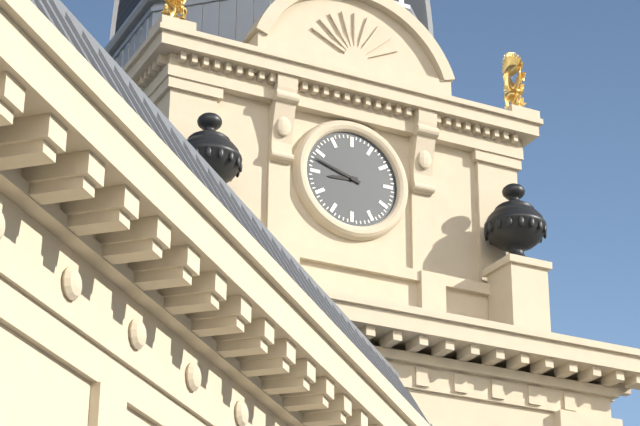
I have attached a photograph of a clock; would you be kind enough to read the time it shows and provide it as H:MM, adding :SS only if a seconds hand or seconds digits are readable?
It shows 8:48
